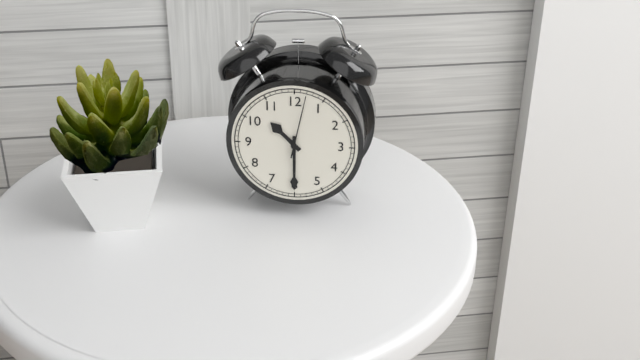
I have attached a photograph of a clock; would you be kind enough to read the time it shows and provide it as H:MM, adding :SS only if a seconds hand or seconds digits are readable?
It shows 10:30:02
